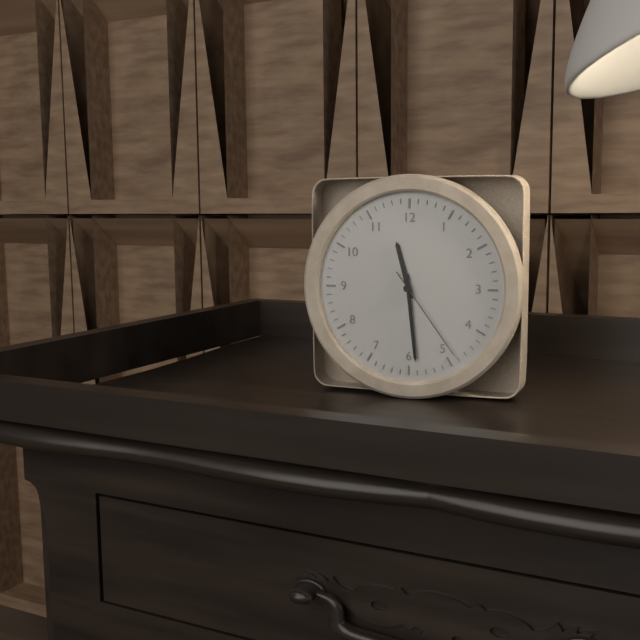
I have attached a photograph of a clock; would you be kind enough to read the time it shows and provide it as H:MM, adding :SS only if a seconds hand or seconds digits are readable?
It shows 11:29:24
